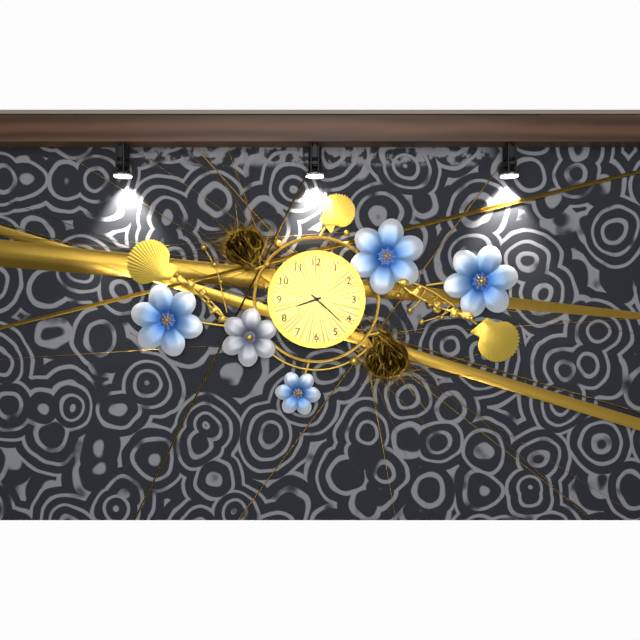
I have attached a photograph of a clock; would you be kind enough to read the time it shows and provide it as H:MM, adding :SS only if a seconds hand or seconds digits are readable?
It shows 8:22
